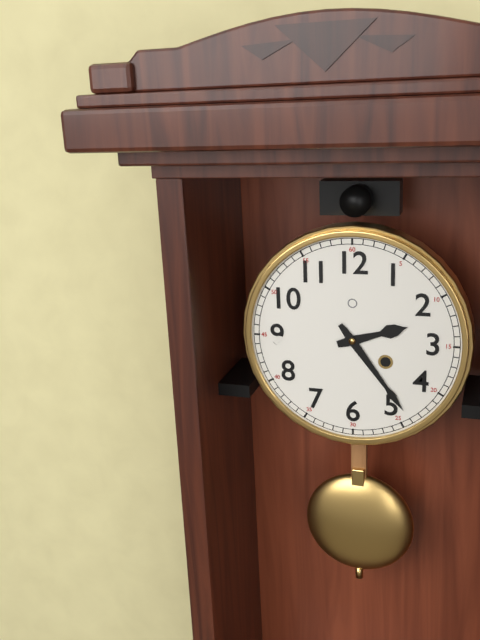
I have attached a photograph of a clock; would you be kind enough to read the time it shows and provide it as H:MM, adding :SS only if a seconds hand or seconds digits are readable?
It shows 2:24
